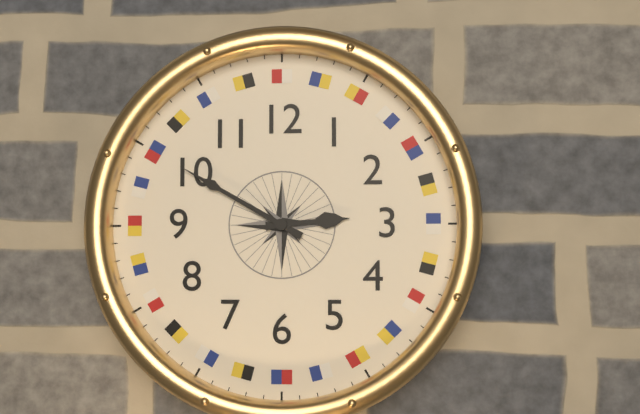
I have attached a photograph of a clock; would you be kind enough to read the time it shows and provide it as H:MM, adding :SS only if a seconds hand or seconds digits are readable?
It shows 2:50
